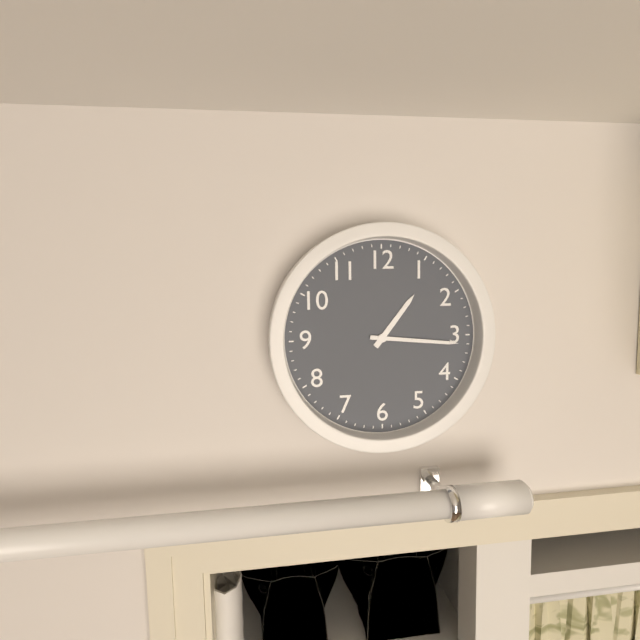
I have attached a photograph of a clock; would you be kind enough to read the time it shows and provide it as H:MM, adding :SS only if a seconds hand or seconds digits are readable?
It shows 1:16
